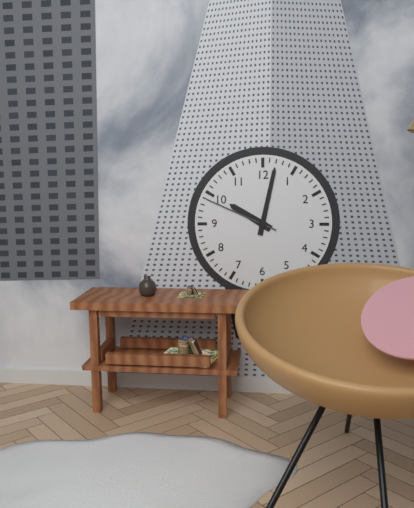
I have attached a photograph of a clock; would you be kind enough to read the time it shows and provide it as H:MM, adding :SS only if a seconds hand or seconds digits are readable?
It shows 10:02:49
